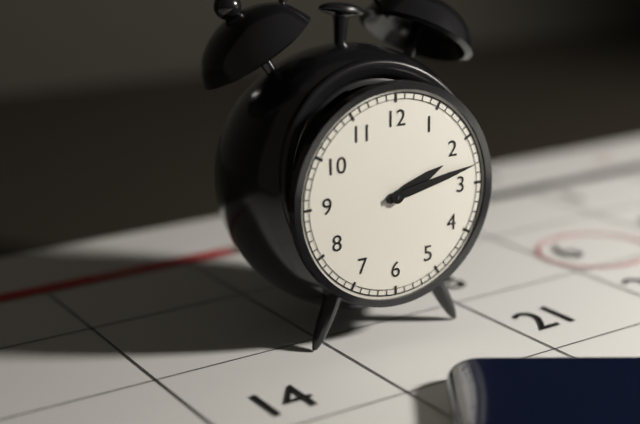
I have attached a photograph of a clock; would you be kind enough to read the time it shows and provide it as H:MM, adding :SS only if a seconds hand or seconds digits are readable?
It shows 2:13
